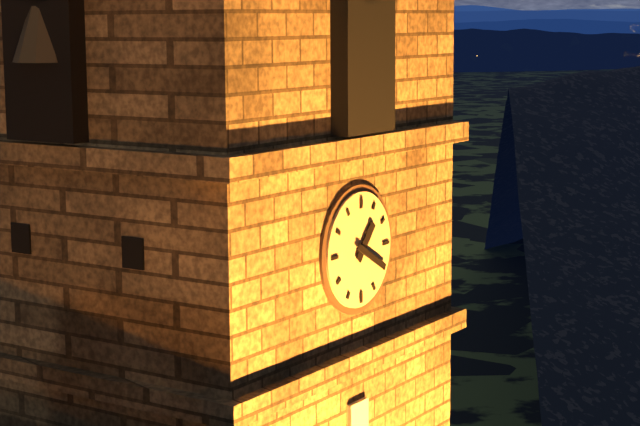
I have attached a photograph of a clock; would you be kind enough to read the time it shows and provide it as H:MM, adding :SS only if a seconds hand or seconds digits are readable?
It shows 1:20
